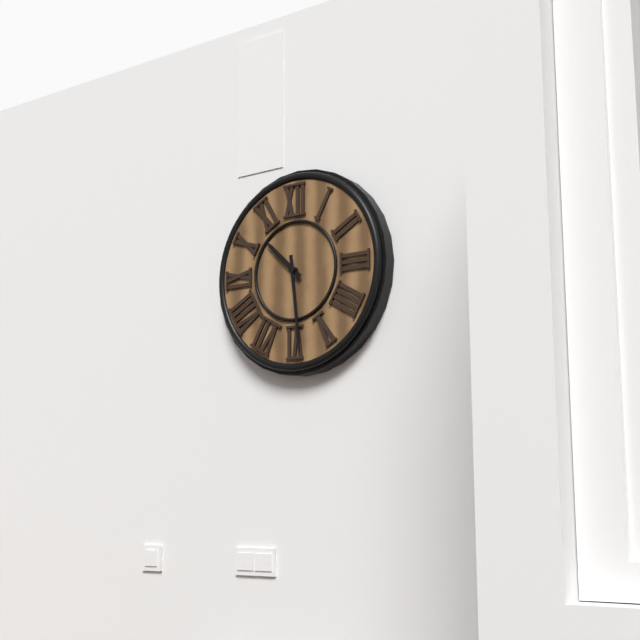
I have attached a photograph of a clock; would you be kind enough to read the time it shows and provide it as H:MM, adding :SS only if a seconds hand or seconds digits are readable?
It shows 10:29
